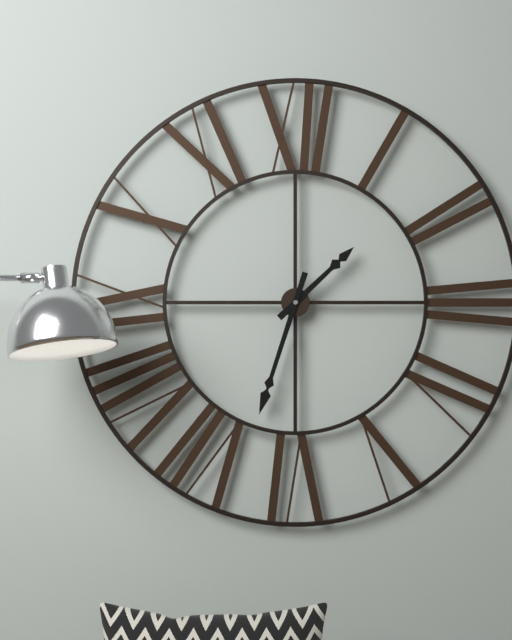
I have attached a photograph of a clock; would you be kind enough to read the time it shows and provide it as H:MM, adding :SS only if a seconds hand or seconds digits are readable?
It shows 1:33
